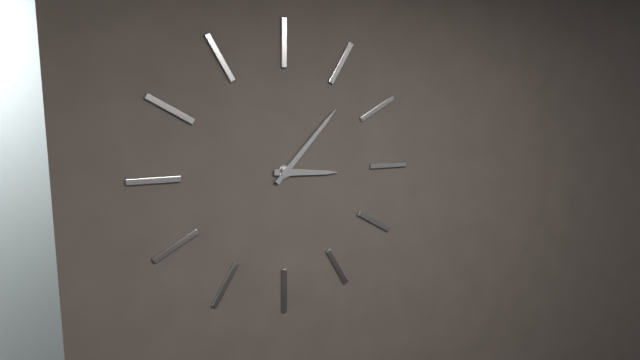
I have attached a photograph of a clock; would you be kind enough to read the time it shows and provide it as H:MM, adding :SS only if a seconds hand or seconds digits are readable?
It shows 3:07
